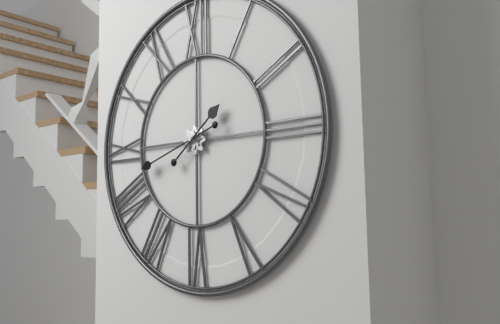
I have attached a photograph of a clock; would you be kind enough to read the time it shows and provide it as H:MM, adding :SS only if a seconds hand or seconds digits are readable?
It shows 1:42
